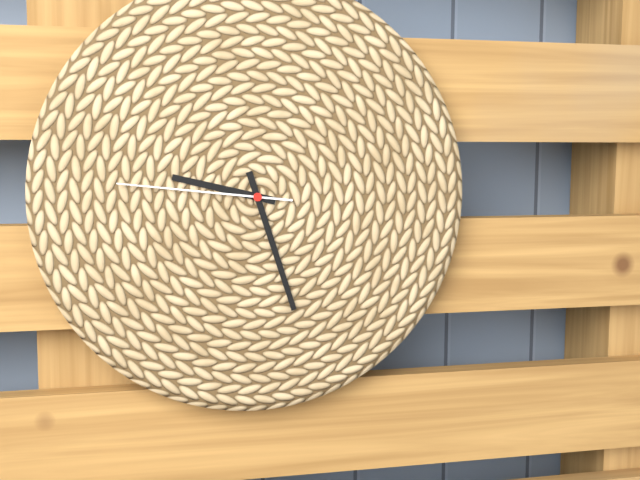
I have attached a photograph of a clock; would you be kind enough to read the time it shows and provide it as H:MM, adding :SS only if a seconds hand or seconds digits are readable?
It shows 9:27:46
